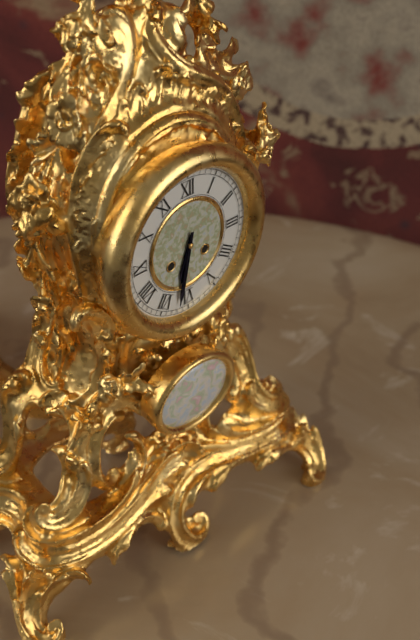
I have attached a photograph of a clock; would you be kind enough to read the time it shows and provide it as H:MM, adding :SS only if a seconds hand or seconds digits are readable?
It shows 6:32
